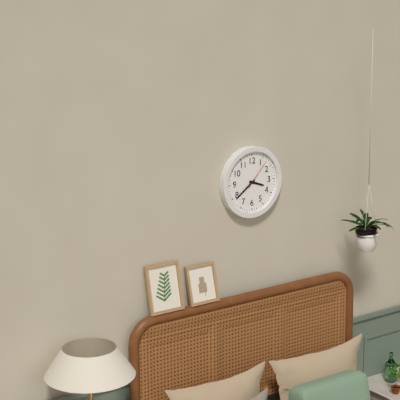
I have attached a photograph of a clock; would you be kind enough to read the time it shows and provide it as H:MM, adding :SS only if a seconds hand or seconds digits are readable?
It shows 3:39
